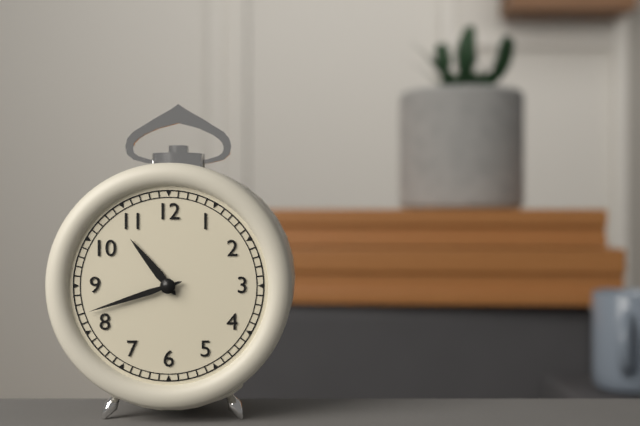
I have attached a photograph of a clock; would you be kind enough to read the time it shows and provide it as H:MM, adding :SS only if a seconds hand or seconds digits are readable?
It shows 10:42
